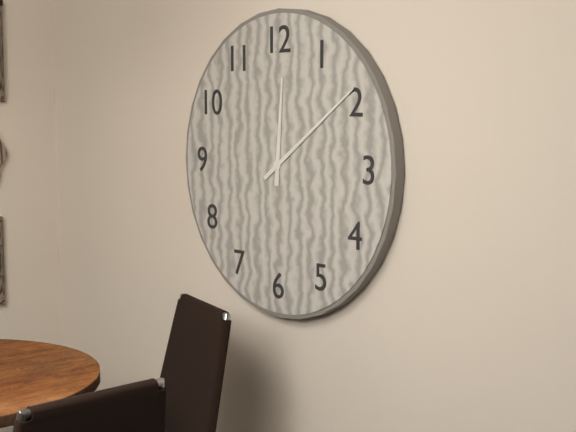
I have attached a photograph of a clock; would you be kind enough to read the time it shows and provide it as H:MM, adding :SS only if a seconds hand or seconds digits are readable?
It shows 12:09
